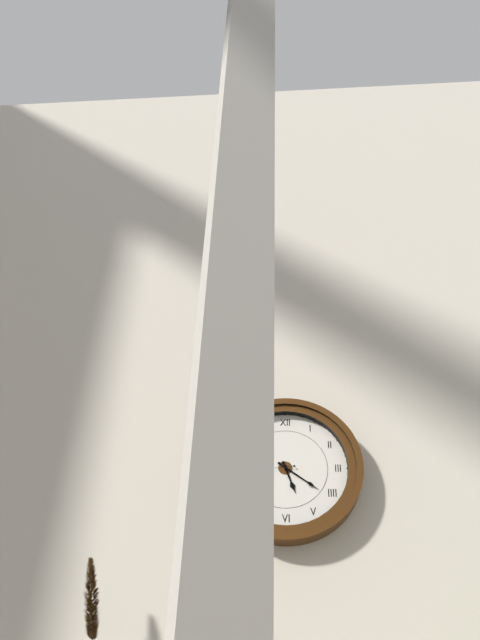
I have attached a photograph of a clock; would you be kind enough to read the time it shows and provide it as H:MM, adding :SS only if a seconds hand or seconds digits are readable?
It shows 5:21
